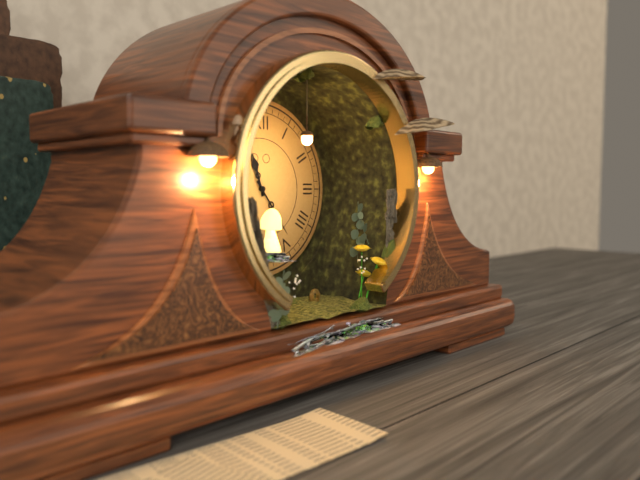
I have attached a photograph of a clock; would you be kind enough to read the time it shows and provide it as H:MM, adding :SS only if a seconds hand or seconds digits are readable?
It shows 11:24
